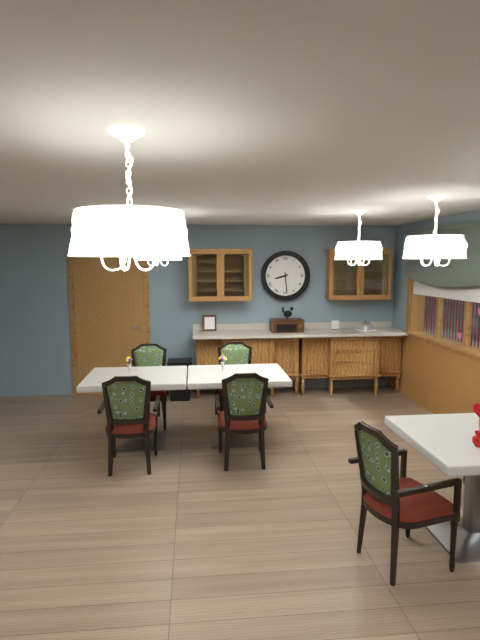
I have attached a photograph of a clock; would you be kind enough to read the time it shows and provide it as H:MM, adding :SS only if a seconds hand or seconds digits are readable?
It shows 8:29
